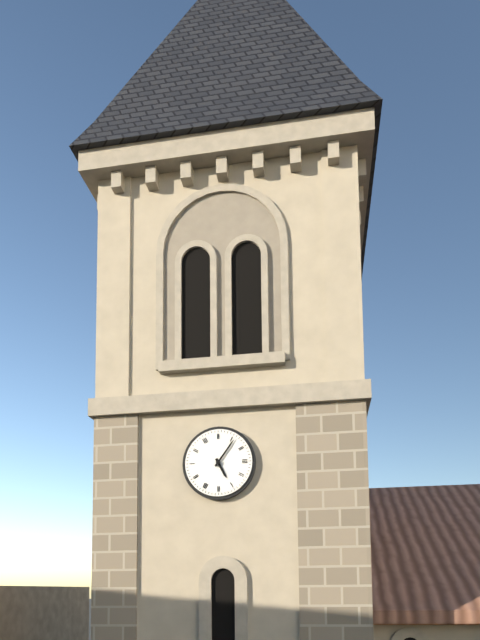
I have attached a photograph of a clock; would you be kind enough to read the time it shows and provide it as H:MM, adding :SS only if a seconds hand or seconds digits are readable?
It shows 5:06
